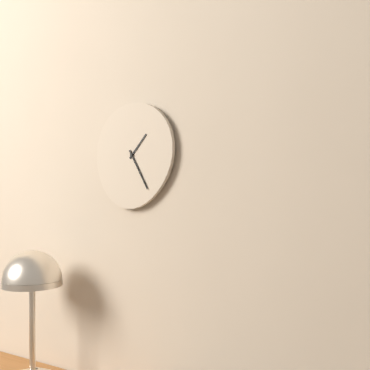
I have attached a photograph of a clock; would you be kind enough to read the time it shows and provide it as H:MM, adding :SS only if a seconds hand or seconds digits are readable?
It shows 1:25
